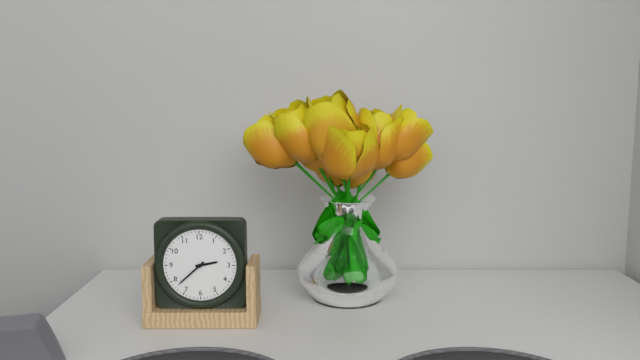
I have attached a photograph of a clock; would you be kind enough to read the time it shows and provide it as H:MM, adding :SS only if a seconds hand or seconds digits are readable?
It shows 2:38
